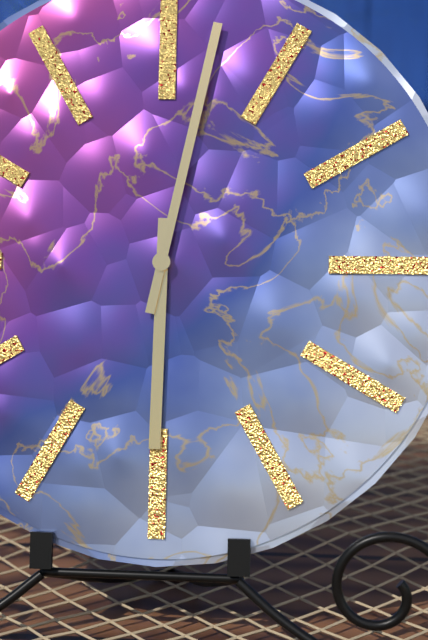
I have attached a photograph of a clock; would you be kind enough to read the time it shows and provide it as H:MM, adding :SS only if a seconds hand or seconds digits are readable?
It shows 6:02
